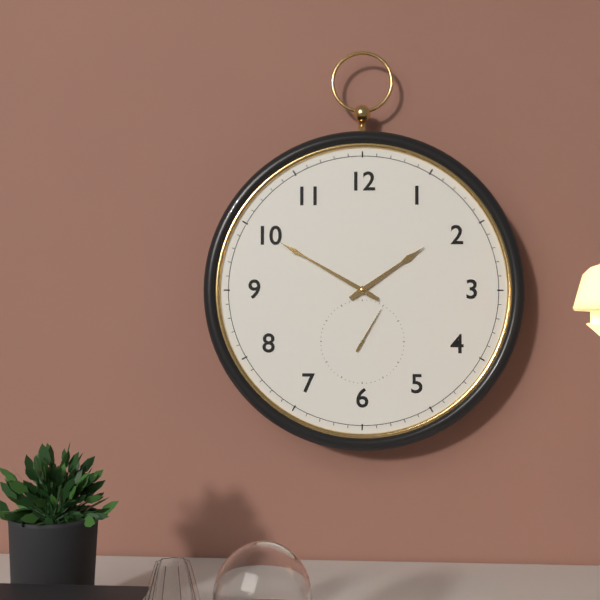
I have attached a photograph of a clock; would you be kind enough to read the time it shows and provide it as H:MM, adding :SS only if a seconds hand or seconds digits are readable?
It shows 1:50
